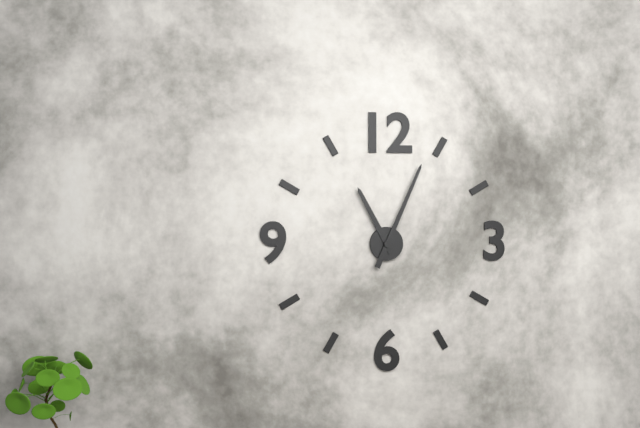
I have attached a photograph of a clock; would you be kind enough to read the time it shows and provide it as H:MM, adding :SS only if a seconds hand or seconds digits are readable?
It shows 11:04
